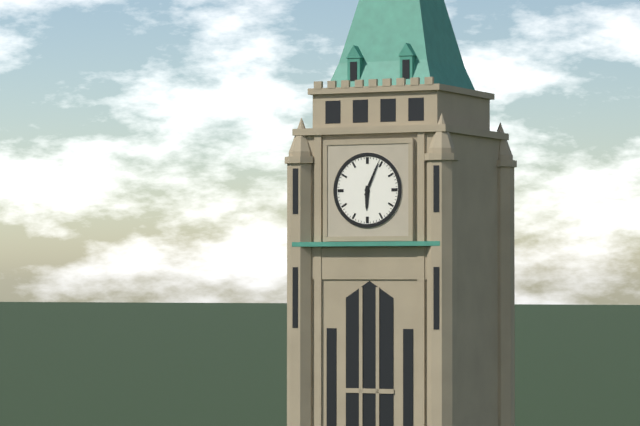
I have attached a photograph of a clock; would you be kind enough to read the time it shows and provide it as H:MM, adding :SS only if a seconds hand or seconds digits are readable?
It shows 6:04
